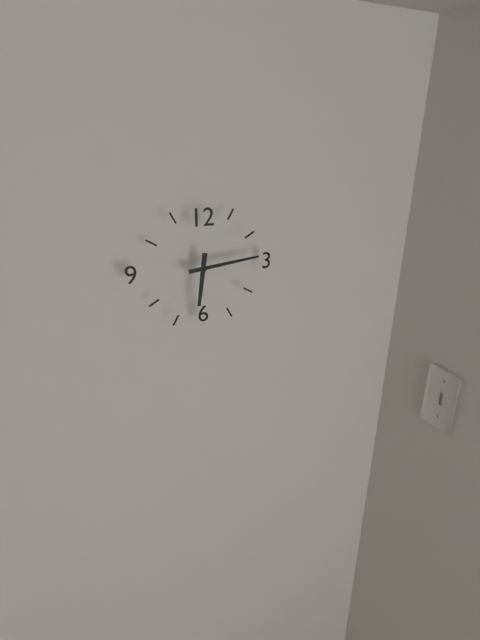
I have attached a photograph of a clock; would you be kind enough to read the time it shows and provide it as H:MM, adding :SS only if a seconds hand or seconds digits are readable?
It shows 6:14
